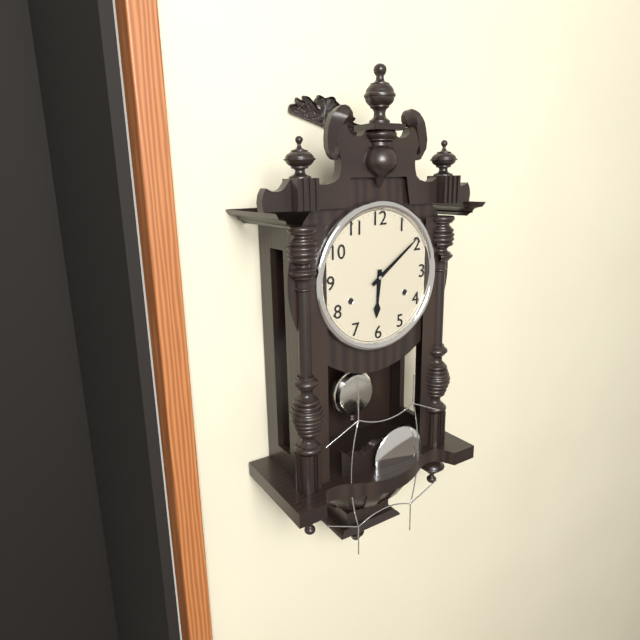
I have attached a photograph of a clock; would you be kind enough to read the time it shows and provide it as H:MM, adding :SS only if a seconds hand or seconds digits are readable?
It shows 6:09
